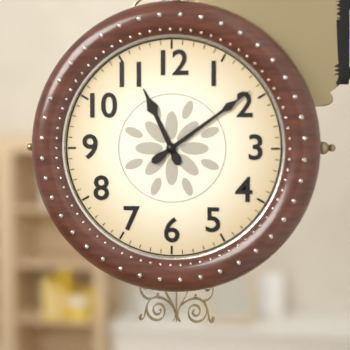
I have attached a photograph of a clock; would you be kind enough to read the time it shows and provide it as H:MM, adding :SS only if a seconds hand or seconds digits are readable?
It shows 11:09
